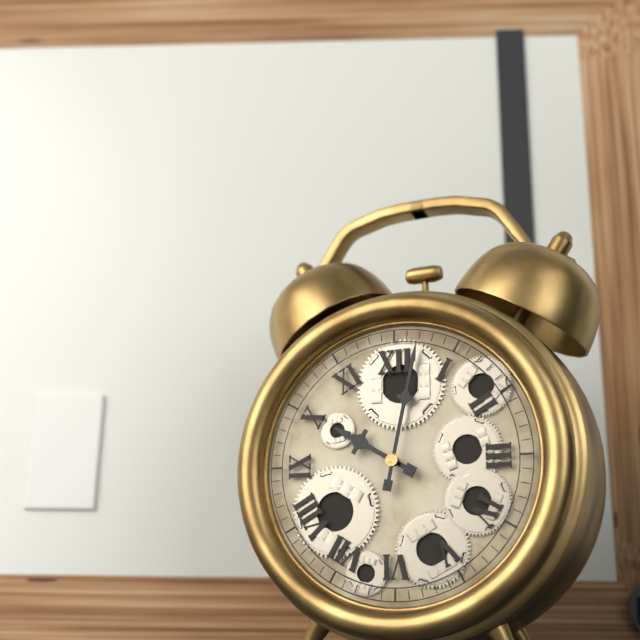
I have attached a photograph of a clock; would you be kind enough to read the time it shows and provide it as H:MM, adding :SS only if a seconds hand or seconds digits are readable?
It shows 10:02
